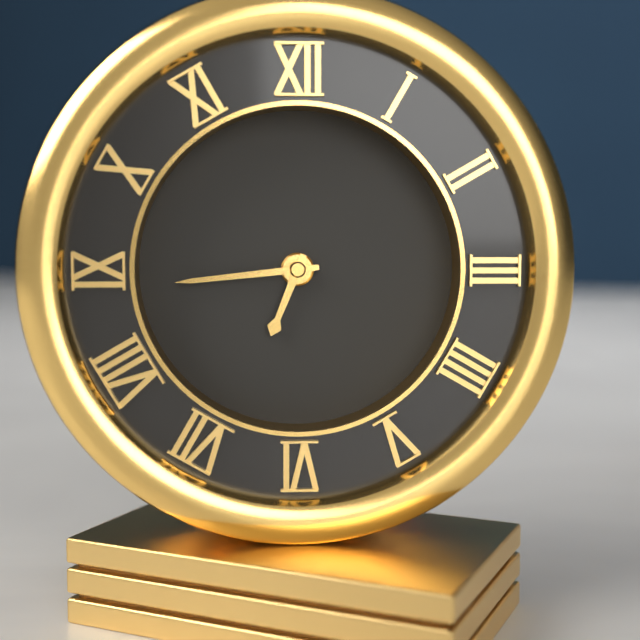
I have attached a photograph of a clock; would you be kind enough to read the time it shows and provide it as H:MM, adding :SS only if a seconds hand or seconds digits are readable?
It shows 6:44
